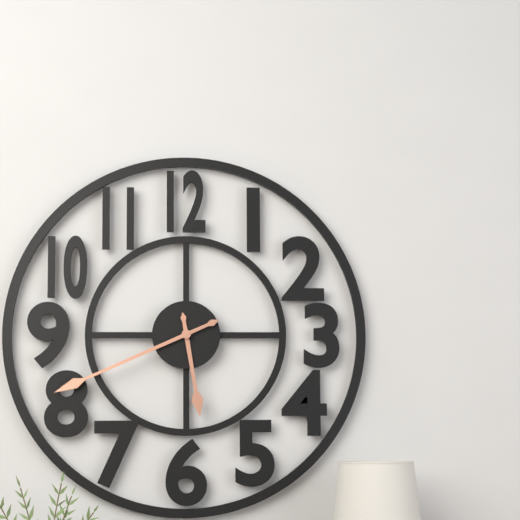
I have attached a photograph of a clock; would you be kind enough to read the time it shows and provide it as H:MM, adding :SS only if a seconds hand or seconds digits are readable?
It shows 5:41
